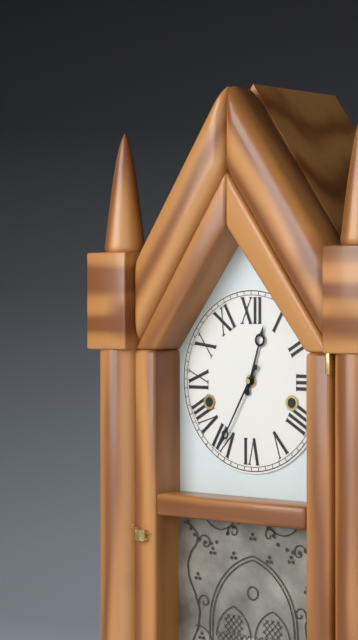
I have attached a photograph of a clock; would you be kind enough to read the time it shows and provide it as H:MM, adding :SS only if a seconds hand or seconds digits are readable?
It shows 12:35
